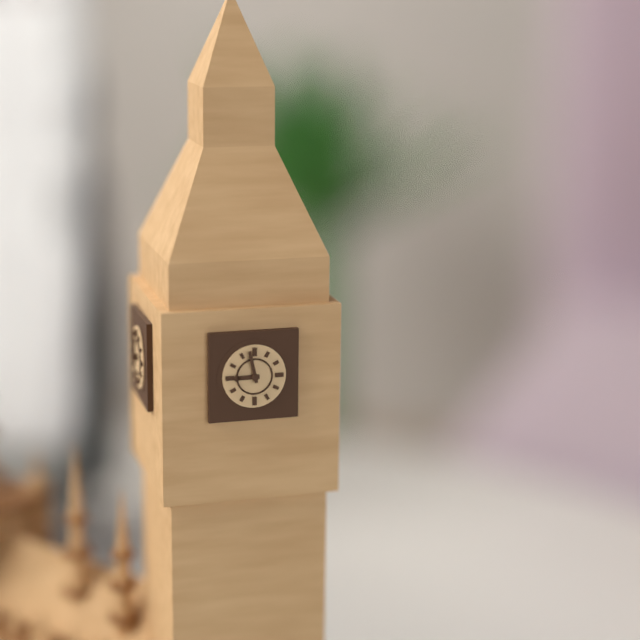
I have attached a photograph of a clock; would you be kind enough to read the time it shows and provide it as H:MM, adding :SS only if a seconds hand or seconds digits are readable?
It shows 8:58
